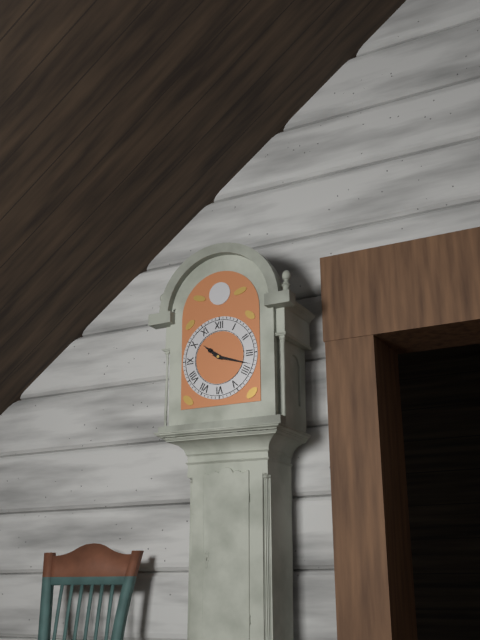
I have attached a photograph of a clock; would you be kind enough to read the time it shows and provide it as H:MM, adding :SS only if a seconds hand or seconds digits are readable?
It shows 10:18
